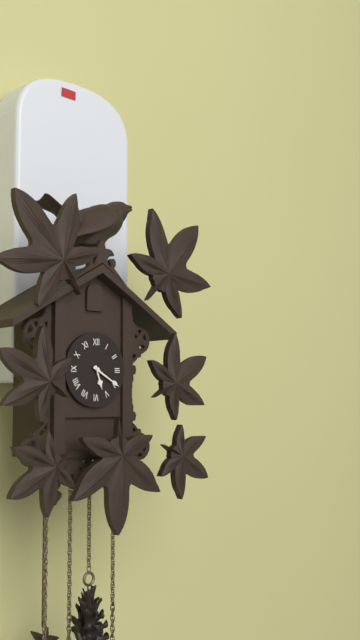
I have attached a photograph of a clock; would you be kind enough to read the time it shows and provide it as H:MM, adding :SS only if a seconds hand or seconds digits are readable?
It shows 5:20
